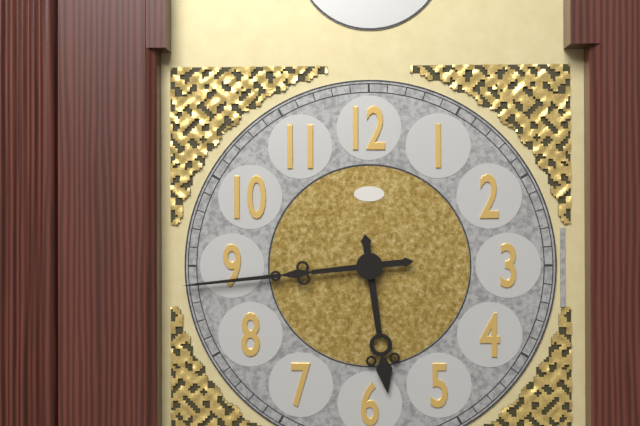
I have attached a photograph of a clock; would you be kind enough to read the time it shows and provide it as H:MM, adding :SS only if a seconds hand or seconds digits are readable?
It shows 5:44
